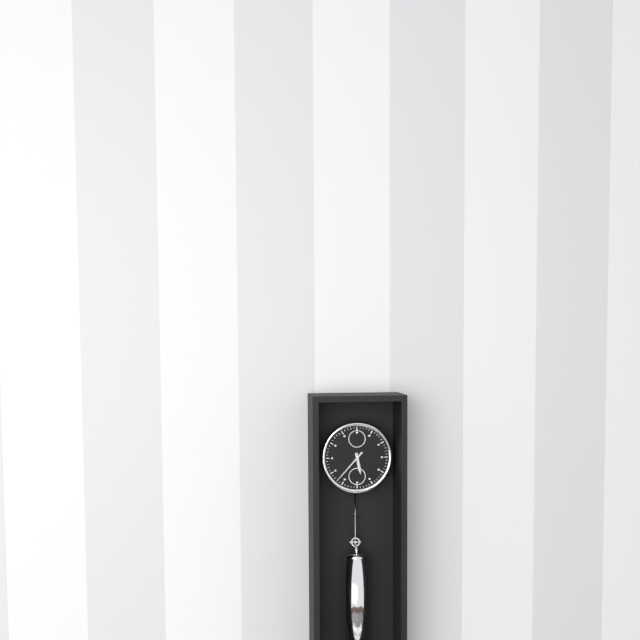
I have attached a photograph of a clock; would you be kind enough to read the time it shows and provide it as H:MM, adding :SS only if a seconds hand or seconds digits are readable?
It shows 5:37
